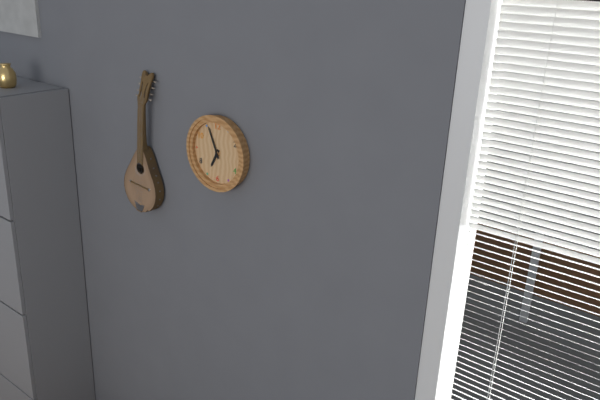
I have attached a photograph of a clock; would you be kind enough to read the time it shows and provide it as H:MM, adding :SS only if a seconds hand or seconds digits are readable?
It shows 6:56
